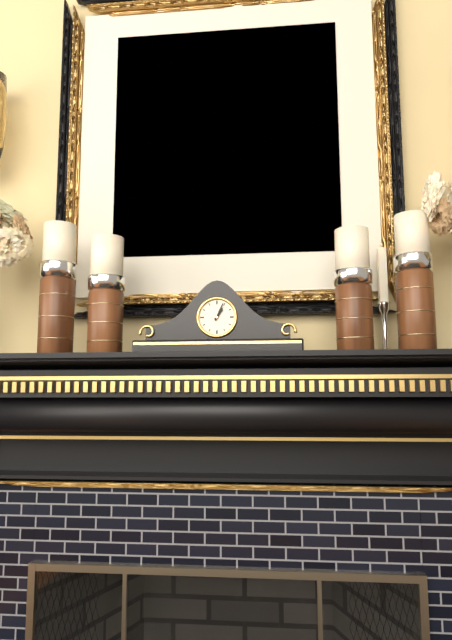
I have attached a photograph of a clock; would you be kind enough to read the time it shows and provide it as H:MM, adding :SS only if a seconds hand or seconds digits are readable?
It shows 1:04
